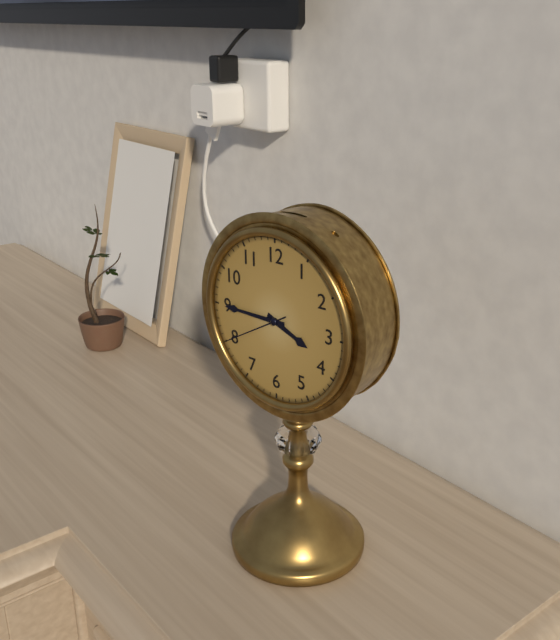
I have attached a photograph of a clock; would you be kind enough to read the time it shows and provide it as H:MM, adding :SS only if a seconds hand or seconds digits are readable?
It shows 3:45:40
